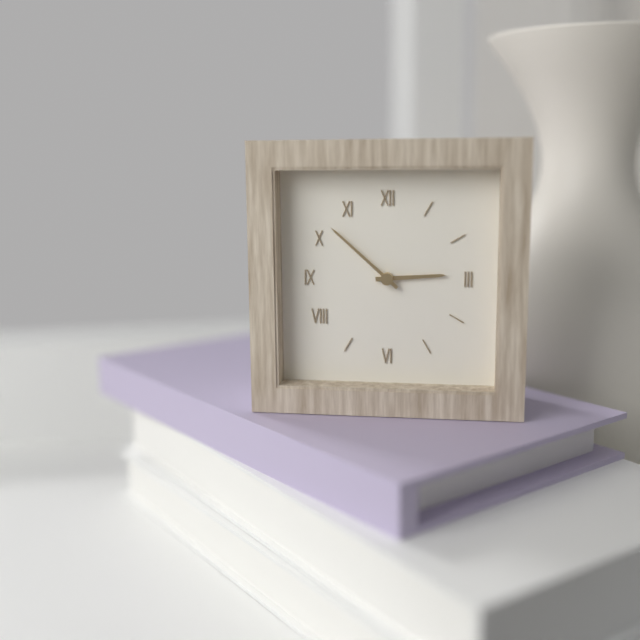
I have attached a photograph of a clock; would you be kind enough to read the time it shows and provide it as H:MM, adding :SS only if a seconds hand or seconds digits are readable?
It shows 2:52
